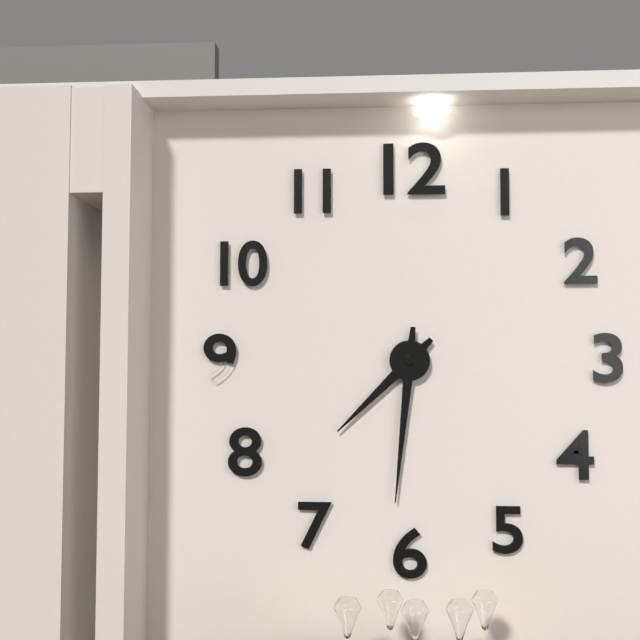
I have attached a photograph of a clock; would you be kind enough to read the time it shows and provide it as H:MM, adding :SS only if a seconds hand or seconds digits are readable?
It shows 7:31
